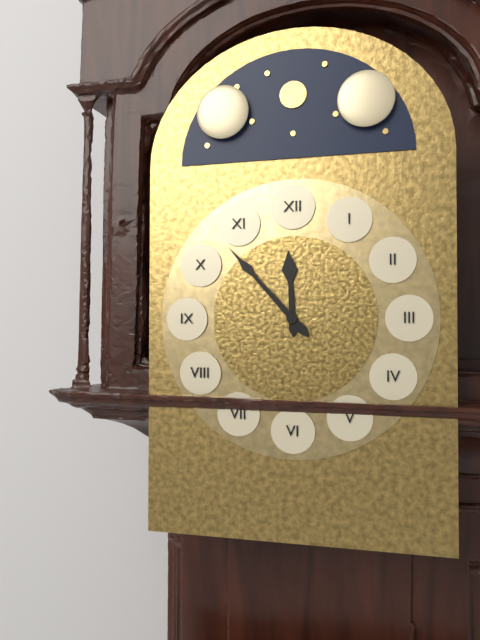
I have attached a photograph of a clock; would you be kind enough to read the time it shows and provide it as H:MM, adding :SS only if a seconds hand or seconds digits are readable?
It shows 11:53
